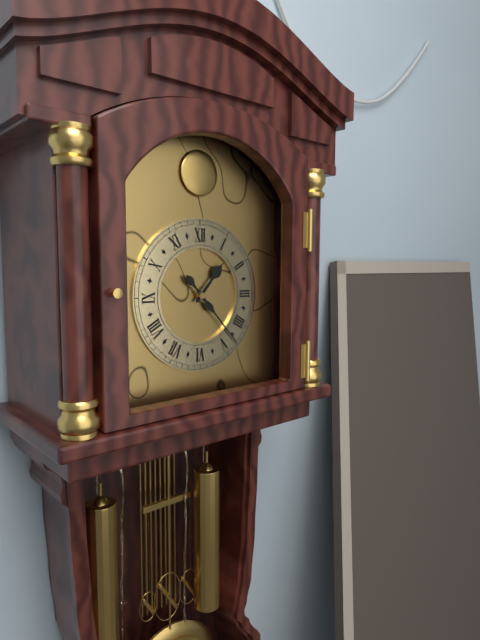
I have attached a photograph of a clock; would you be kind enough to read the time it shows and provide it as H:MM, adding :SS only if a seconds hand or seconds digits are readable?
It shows 1:23
